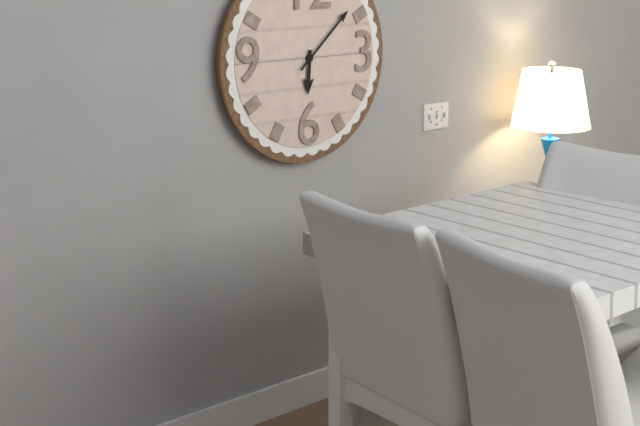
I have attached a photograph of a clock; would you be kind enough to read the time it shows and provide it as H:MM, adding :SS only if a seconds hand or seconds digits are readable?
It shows 6:08
